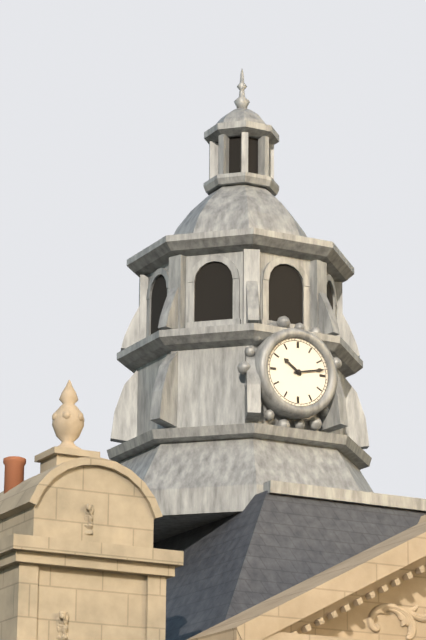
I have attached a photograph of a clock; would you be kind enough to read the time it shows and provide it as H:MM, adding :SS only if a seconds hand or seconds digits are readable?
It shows 10:13
